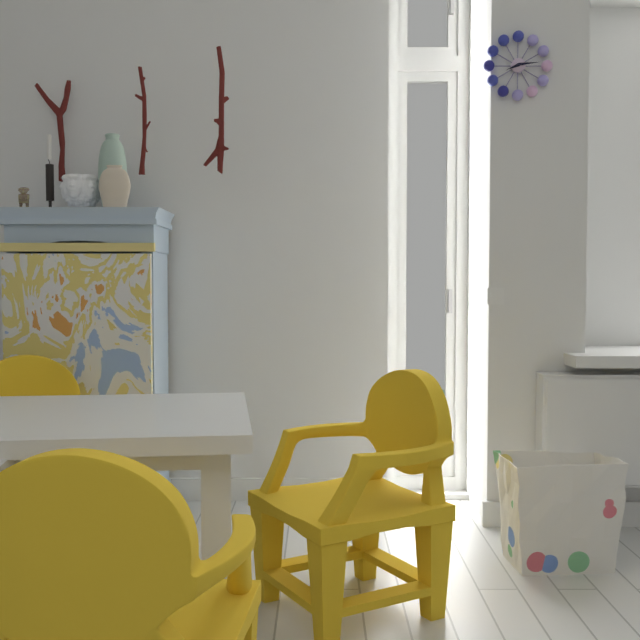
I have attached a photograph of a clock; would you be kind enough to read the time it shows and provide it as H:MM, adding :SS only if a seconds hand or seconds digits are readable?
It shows 8:14
